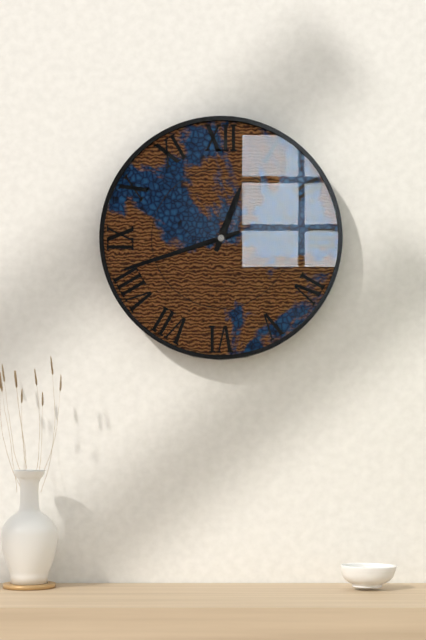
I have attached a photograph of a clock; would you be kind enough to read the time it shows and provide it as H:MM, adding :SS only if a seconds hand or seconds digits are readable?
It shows 12:42
